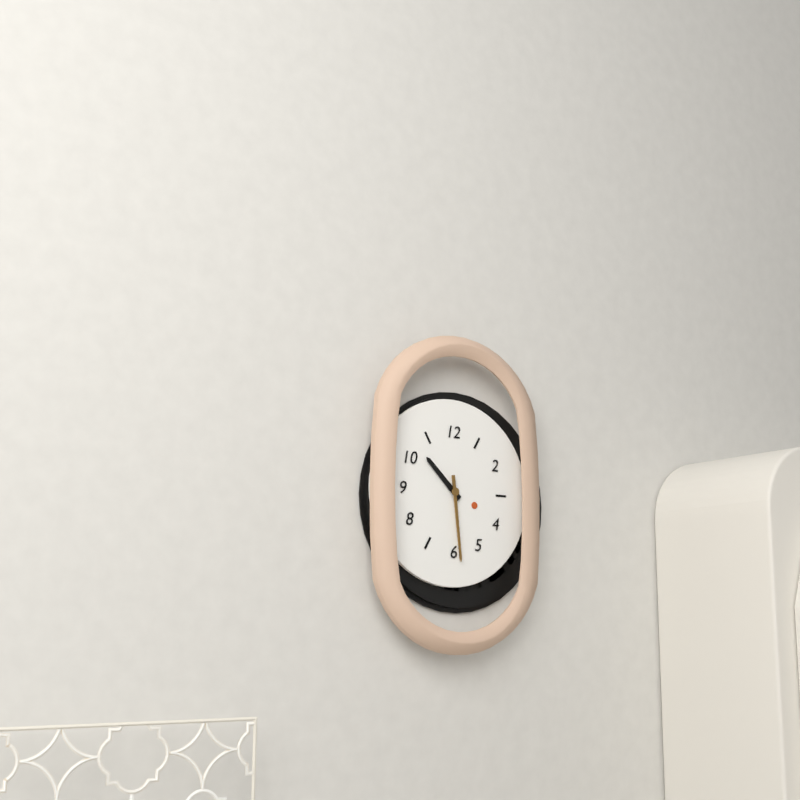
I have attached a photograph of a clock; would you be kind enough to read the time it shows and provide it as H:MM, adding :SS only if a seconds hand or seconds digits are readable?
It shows 10:29
